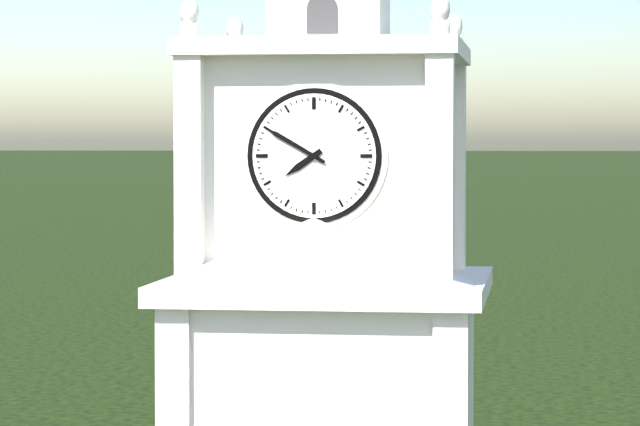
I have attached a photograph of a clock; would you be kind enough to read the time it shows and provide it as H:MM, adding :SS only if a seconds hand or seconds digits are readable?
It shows 7:50
